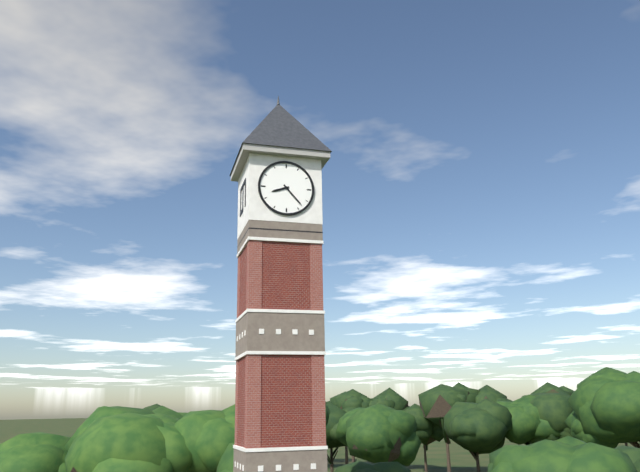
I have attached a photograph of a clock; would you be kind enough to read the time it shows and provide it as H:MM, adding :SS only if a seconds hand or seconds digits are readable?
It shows 8:23
